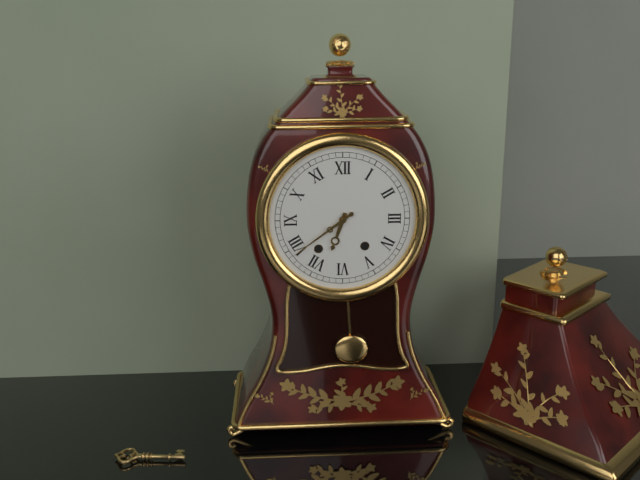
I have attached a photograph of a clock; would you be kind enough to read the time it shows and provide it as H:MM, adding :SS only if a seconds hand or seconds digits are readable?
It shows 6:39
